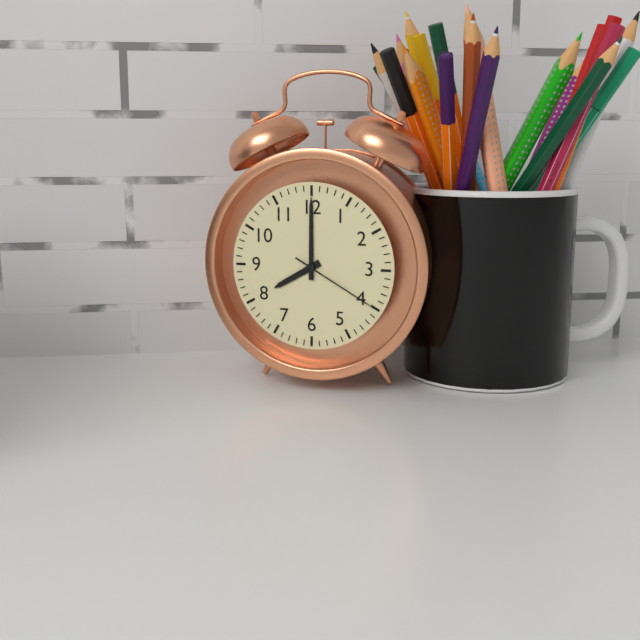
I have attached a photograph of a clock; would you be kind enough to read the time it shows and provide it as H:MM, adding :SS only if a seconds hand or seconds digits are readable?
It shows 8:00:20
